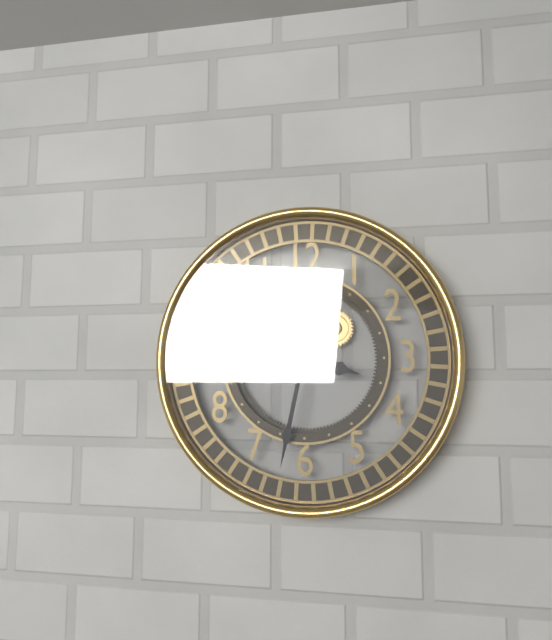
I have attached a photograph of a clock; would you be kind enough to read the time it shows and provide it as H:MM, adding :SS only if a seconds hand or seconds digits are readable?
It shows 3:32
